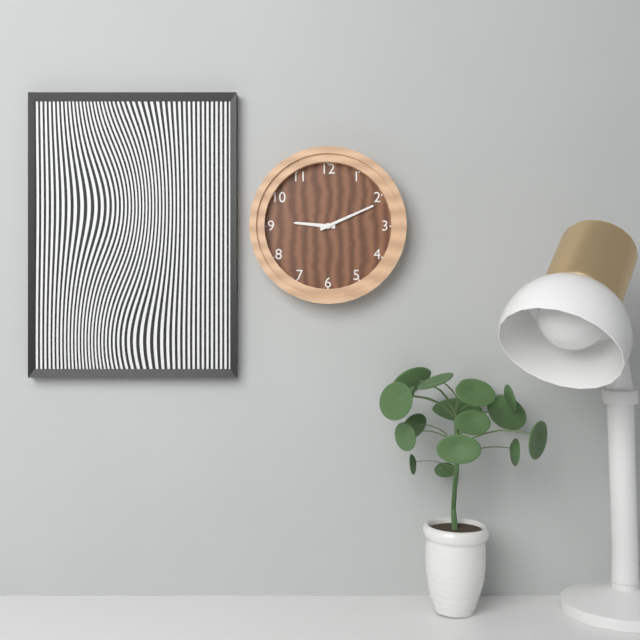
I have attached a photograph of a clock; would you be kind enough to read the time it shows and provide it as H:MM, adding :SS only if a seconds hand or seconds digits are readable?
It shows 9:11
